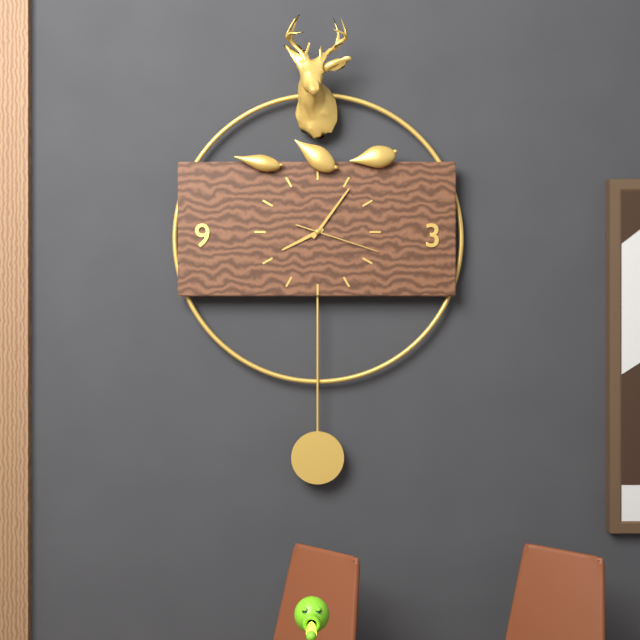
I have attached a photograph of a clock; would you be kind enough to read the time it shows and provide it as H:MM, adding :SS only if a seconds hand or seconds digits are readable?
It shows 8:06:18
